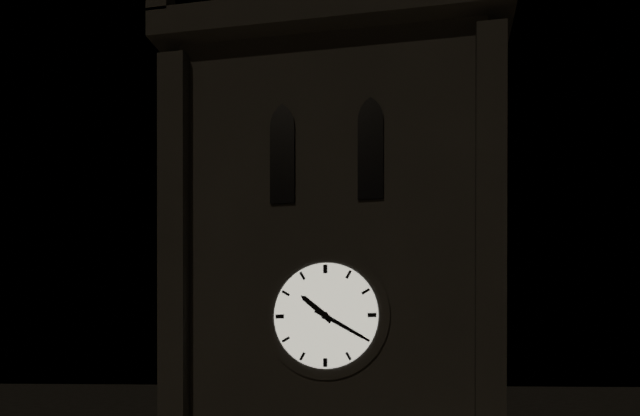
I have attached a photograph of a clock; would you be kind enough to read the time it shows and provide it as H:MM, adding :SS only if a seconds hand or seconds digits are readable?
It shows 10:20
